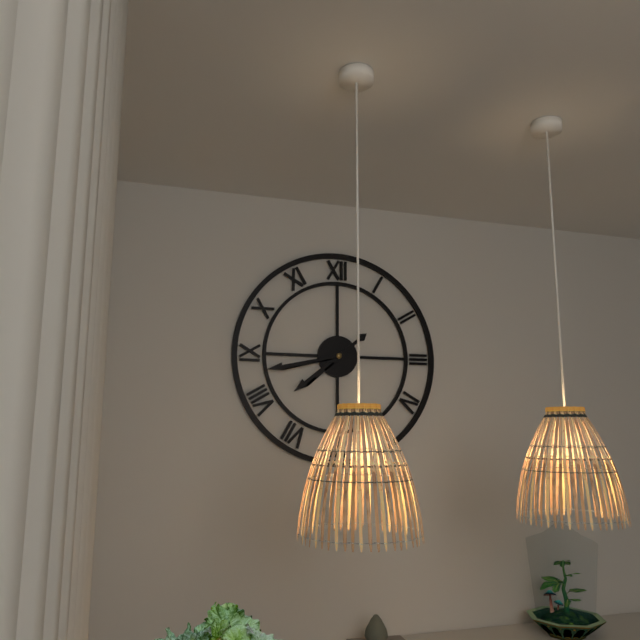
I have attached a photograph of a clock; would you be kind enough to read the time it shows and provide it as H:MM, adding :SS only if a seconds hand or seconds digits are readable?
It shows 7:43
